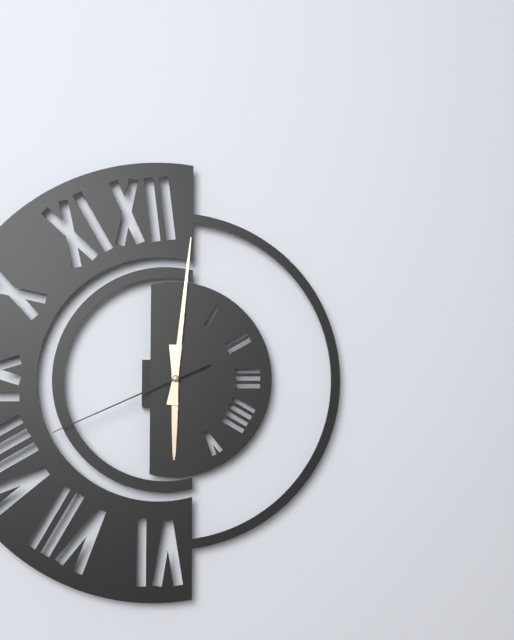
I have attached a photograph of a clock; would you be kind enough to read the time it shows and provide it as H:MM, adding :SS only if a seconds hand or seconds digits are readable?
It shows 6:01:41
